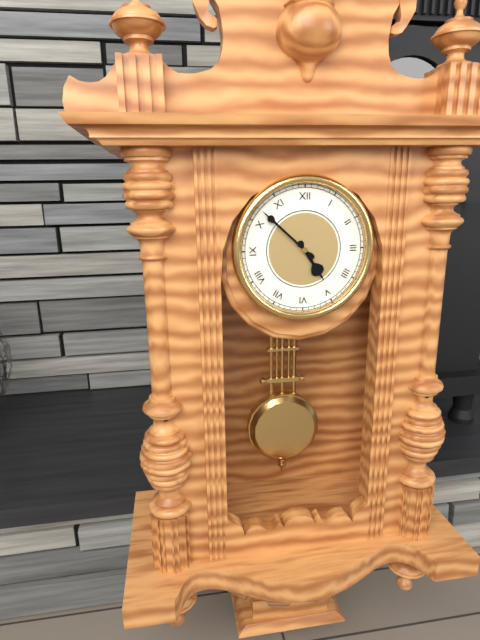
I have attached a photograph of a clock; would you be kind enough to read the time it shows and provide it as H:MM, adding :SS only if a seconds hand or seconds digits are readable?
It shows 4:52
